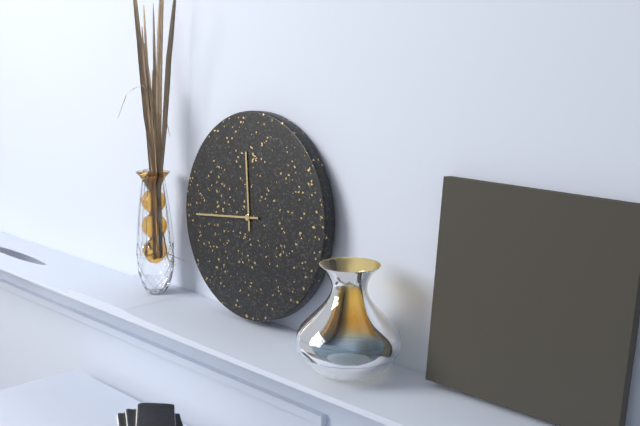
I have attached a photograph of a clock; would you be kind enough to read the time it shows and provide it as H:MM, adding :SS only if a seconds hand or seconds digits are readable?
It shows 11:44
